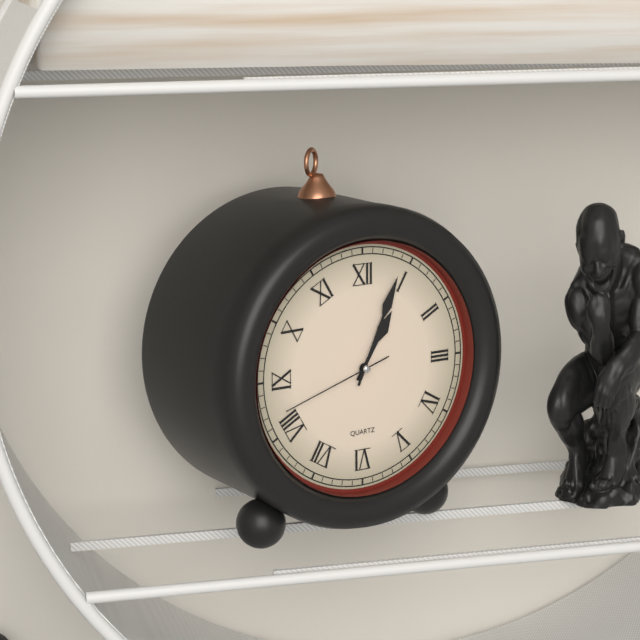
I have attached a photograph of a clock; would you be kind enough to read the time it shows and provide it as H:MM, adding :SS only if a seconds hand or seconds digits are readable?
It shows 1:04:42
